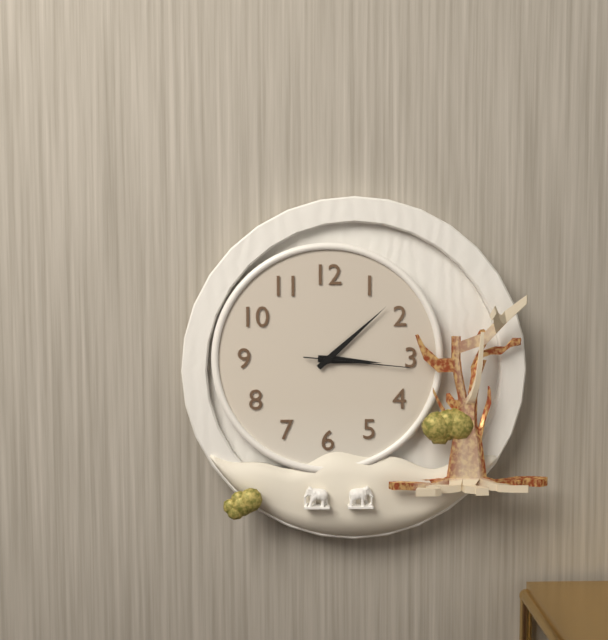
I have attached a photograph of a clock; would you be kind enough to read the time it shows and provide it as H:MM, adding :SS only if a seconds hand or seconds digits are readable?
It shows 3:08:16
